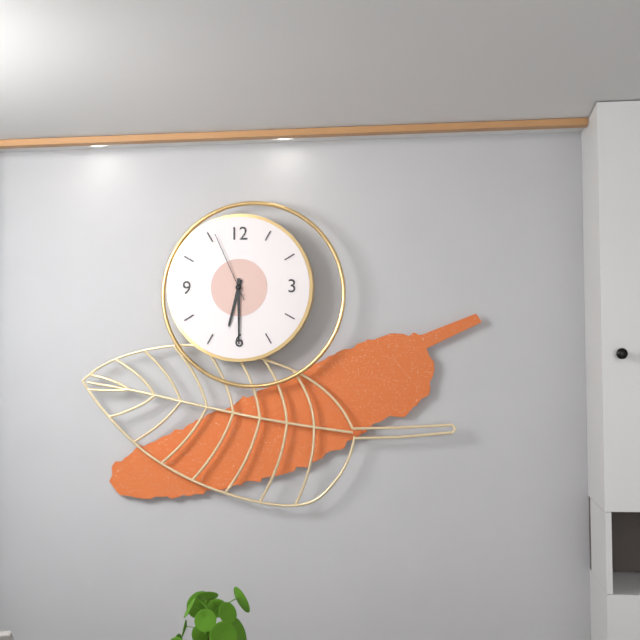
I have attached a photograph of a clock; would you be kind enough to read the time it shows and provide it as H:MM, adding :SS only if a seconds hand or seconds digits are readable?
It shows 6:30:56
